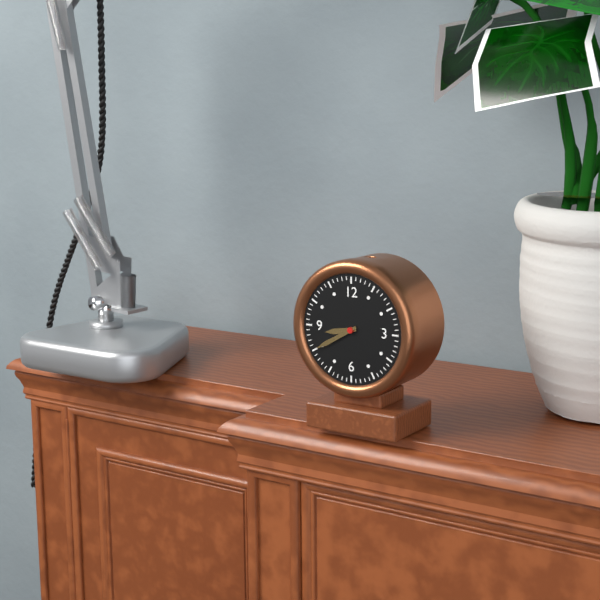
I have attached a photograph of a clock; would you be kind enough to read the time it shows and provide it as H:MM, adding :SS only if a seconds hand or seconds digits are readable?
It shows 8:40
